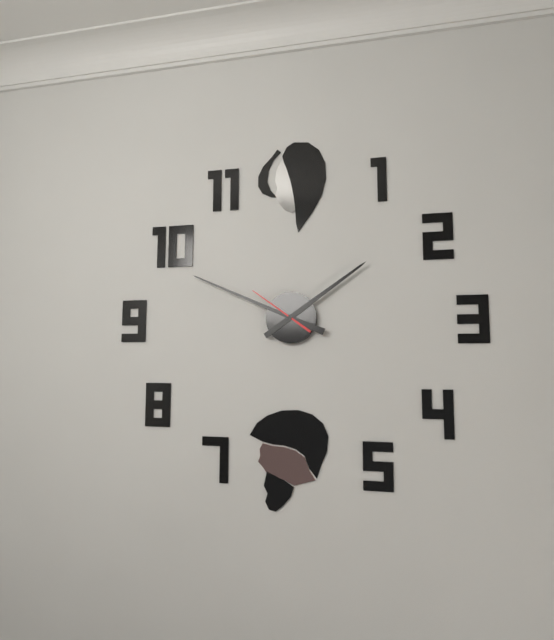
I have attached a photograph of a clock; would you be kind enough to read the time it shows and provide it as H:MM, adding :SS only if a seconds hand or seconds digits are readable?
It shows 1:49:51
